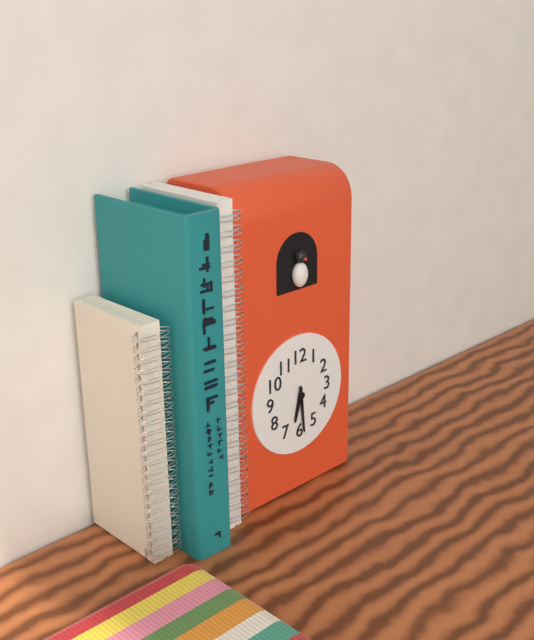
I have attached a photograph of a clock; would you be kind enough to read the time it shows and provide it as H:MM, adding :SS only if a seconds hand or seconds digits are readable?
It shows 6:29
